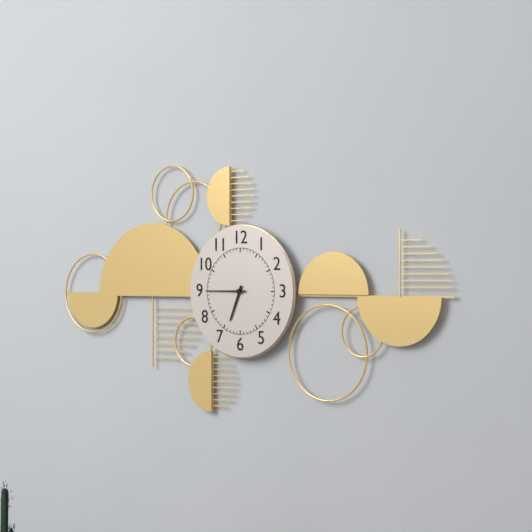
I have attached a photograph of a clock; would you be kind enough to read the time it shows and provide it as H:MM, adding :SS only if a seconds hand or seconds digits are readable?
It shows 6:45
